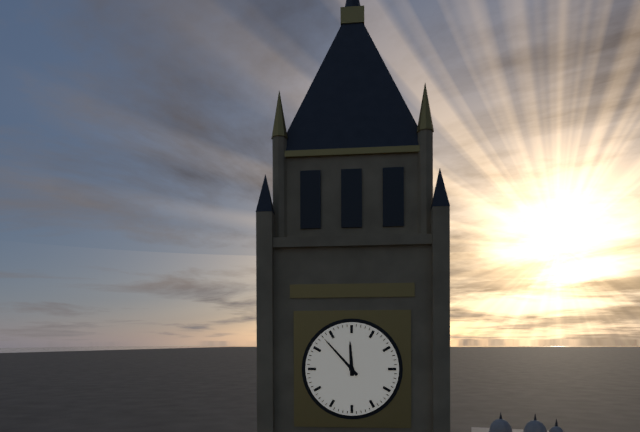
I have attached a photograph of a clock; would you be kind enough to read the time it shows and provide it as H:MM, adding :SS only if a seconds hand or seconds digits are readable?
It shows 11:53
